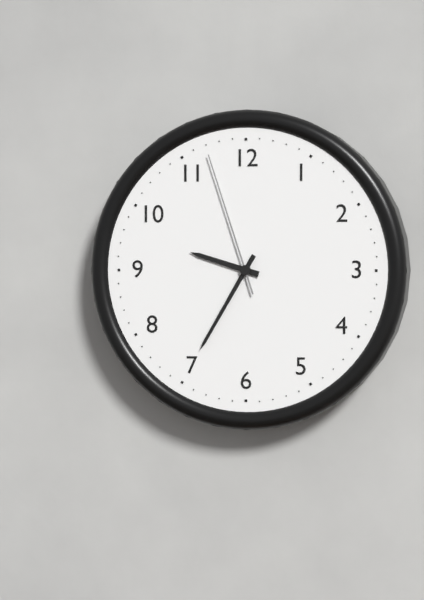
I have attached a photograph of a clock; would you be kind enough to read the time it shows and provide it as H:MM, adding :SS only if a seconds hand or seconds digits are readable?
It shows 9:35:57
